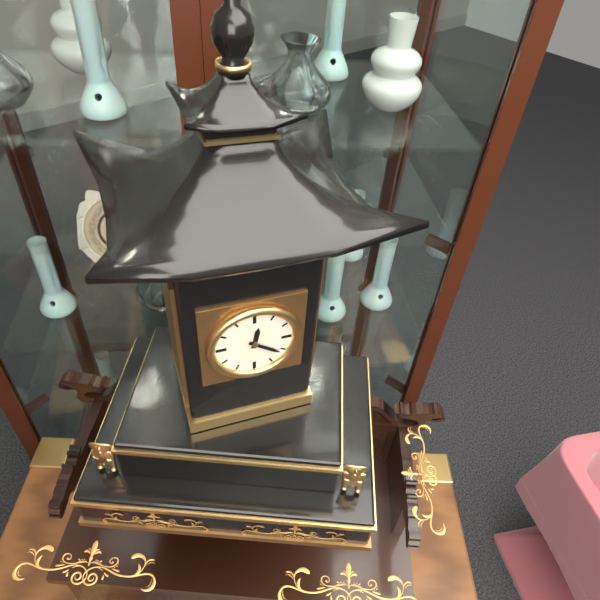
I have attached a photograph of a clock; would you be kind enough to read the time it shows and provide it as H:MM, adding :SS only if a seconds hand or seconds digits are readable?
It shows 12:21
